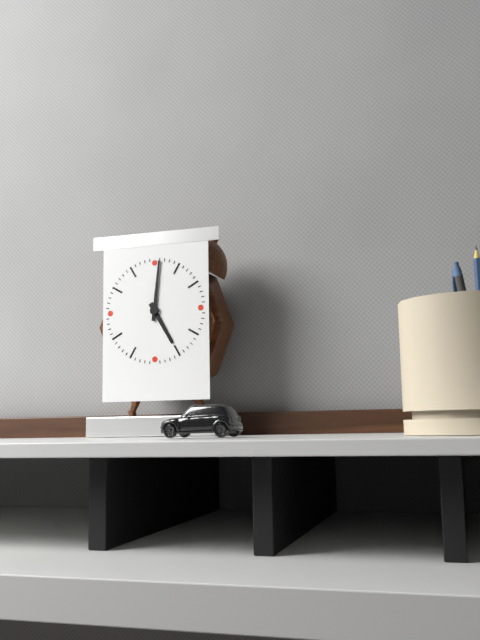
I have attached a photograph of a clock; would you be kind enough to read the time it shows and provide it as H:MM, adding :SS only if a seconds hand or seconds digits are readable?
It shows 5:01
